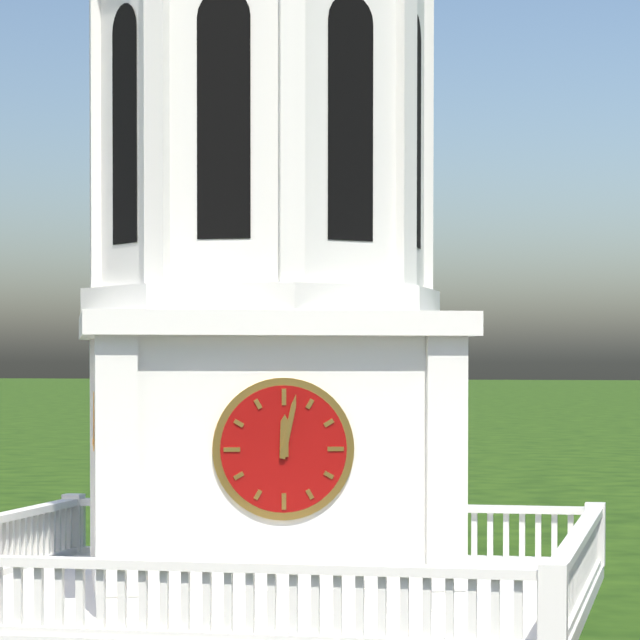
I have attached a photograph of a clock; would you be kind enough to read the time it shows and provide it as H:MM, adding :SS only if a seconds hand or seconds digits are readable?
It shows 12:02
